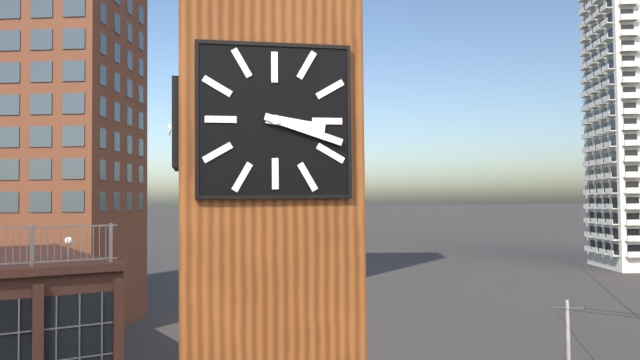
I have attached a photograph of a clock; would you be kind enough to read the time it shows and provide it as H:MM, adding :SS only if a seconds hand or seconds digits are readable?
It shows 3:18
